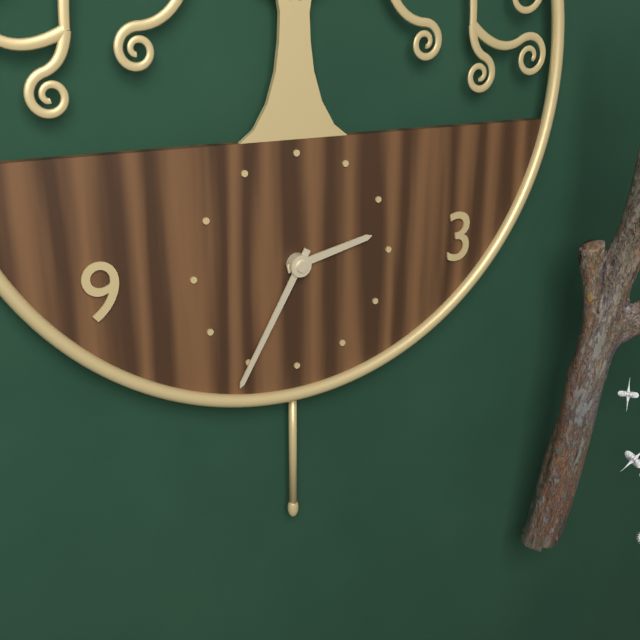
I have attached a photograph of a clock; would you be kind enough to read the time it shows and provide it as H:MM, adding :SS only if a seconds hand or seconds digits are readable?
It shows 2:35
